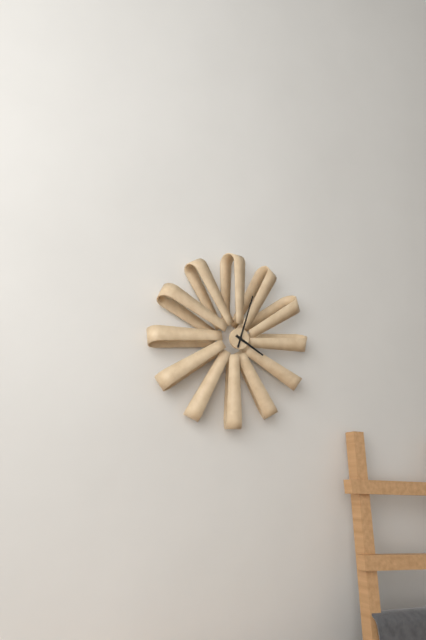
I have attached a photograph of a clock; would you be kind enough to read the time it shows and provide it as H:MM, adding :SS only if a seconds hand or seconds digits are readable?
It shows 4:03
